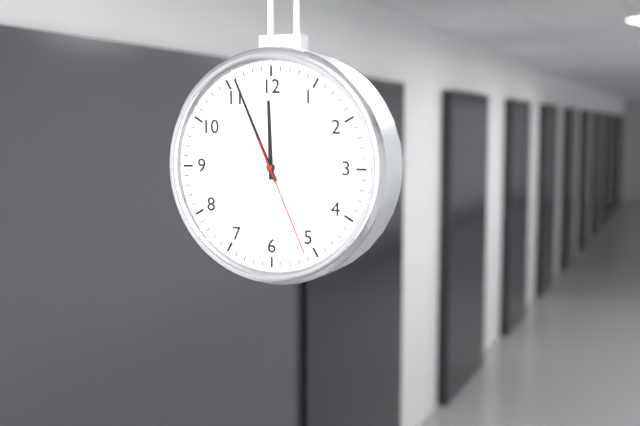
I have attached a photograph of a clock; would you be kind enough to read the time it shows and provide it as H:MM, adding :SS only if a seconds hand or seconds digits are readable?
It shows 11:56:26
